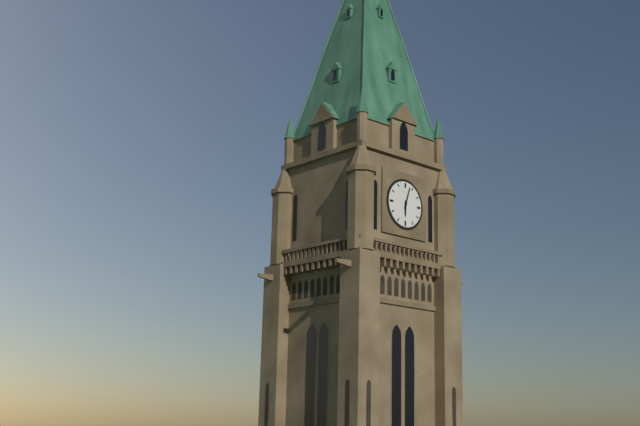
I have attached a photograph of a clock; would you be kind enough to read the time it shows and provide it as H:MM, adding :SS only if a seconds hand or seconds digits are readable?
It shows 6:03
